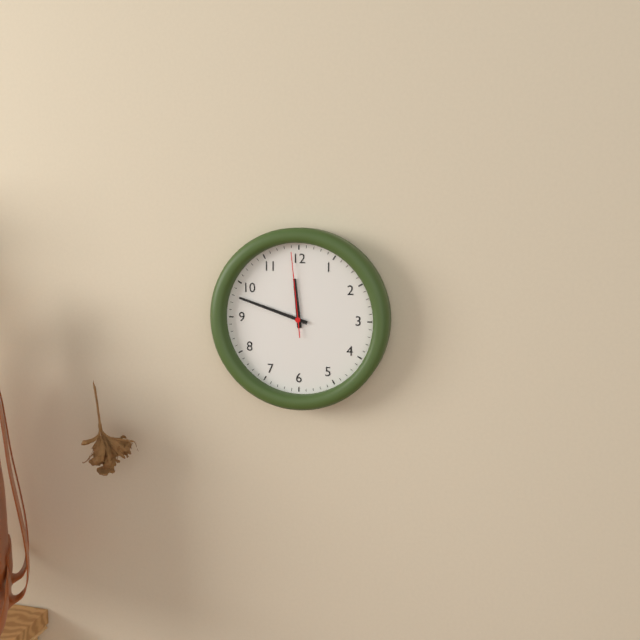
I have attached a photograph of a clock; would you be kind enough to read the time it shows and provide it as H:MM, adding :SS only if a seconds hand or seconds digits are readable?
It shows 11:48:59
